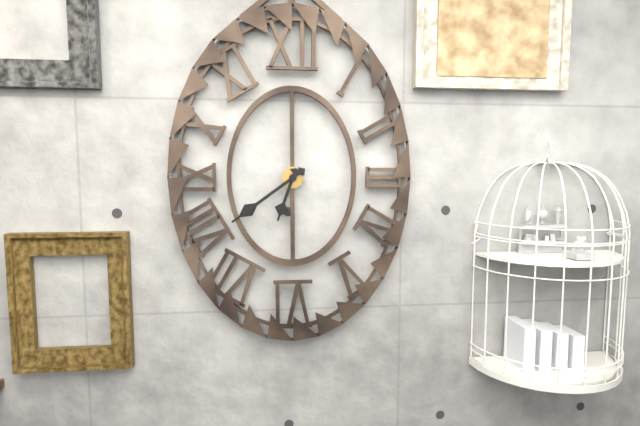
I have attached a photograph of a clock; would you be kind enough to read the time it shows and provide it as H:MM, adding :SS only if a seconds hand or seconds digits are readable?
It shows 6:39
